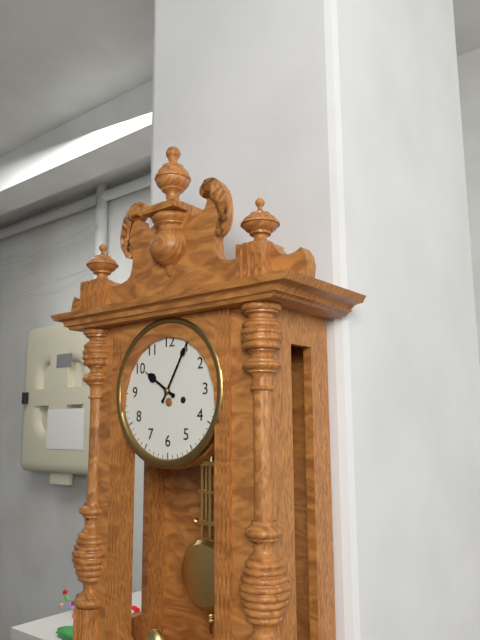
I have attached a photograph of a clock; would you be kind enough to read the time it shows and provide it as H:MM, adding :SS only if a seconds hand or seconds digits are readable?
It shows 10:05
